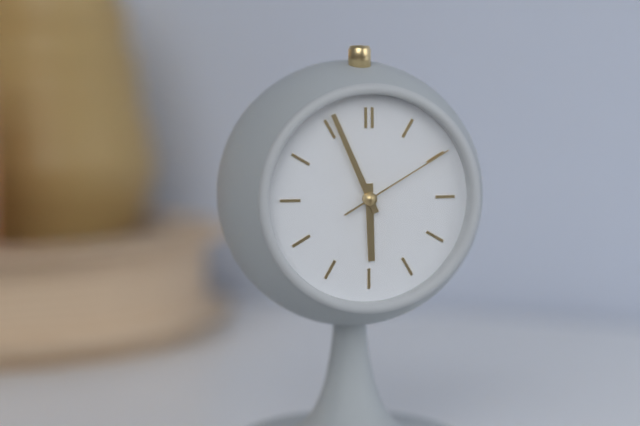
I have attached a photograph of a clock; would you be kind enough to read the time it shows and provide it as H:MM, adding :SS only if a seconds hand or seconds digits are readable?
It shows 5:56:10
